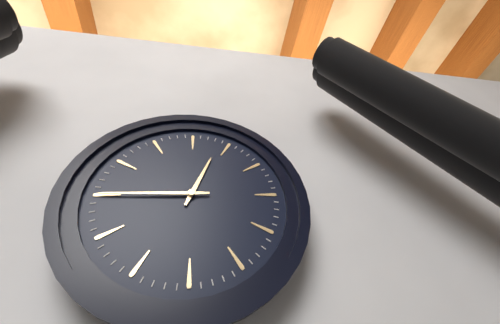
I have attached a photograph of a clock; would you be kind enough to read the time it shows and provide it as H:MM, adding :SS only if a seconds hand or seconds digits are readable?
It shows 12:45
